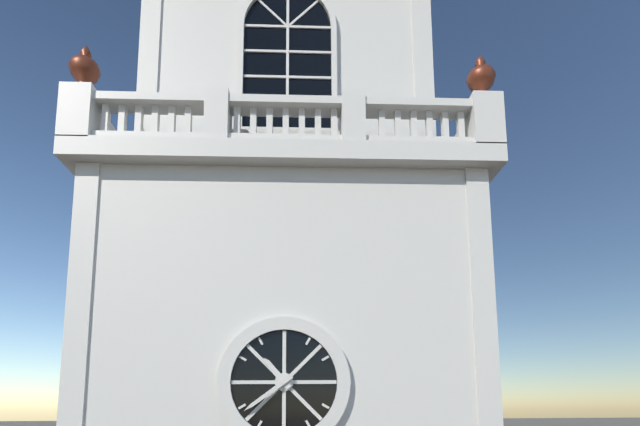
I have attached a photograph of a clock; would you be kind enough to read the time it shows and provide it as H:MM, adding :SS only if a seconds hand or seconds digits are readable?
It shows 10:39
